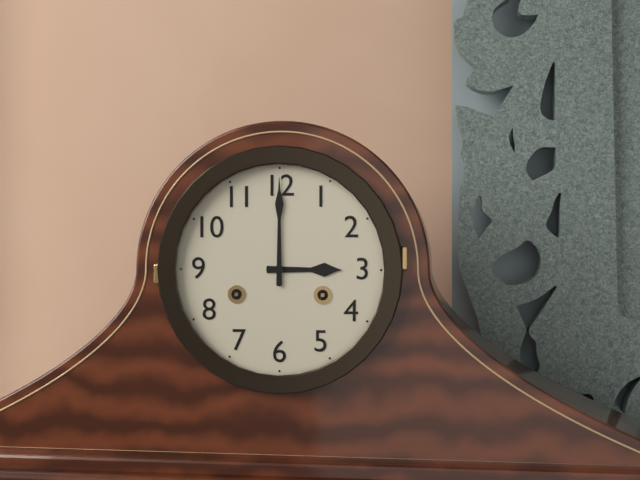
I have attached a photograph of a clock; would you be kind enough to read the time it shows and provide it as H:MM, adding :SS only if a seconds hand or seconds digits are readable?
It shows 3:00
